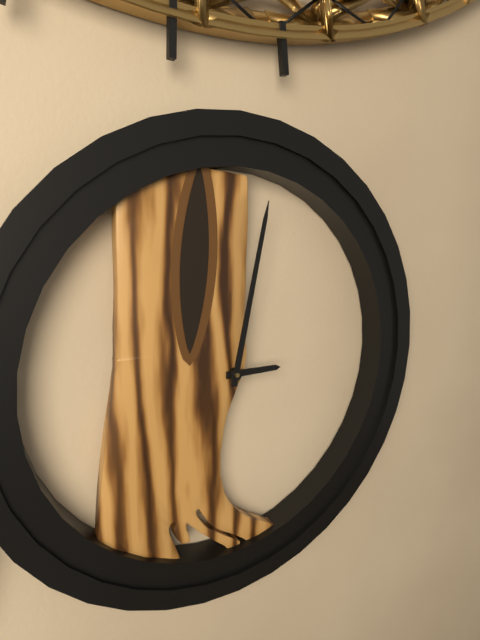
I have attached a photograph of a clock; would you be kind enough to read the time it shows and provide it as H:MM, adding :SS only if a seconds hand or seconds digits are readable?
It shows 3:02
